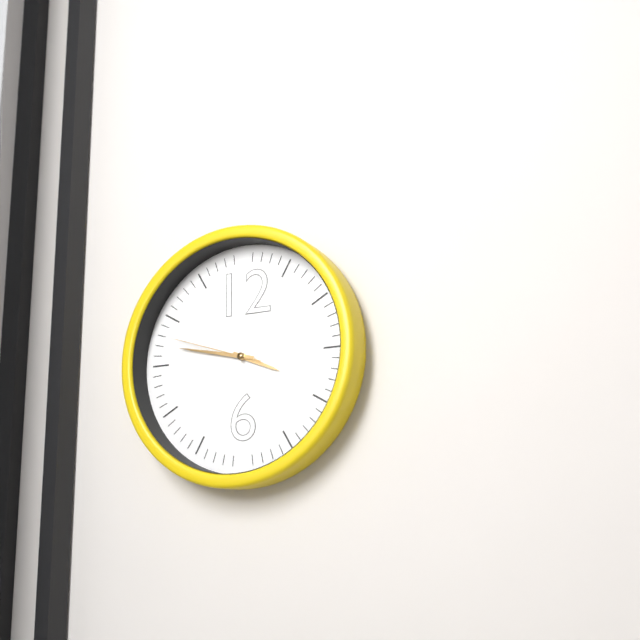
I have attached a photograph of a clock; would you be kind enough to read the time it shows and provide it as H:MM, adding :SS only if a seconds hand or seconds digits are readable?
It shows 3:47:48
